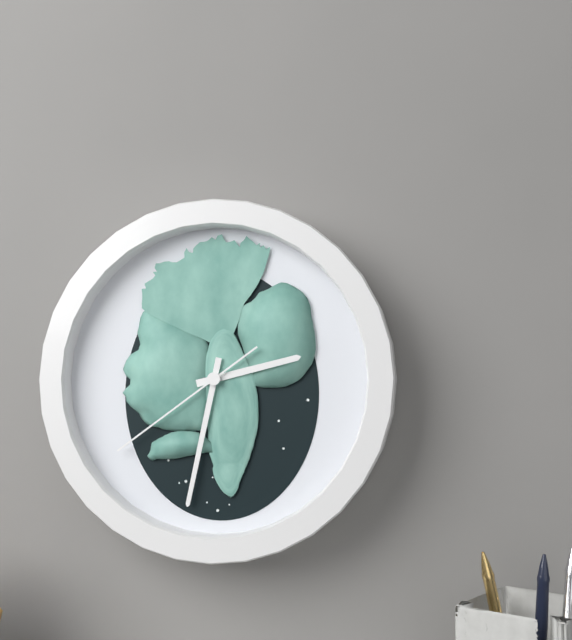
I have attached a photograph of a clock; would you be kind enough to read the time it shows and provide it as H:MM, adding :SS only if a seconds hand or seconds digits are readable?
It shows 2:32:39
